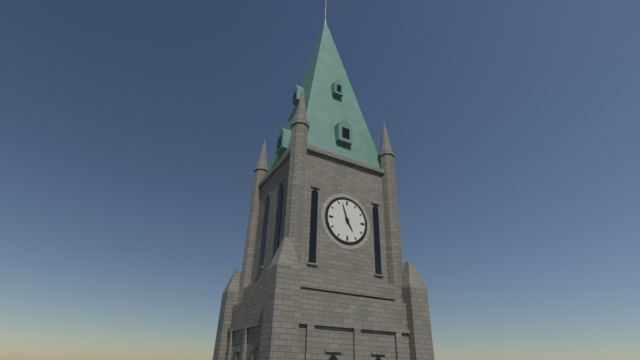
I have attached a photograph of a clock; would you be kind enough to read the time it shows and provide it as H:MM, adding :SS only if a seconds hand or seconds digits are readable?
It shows 4:57
